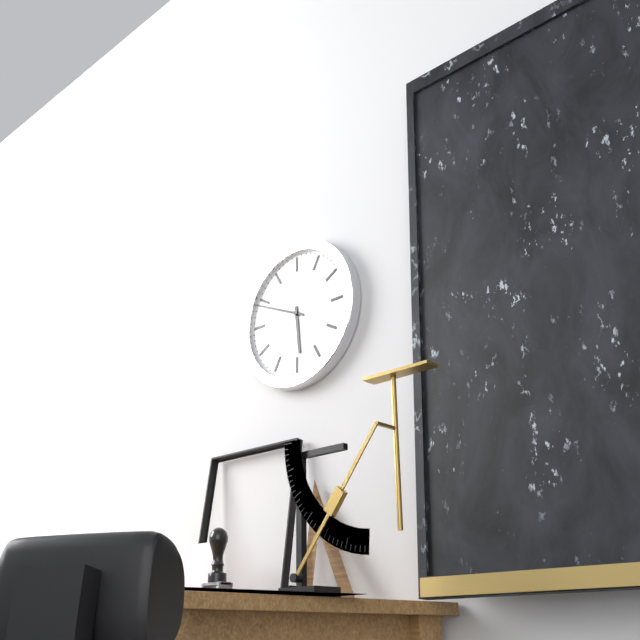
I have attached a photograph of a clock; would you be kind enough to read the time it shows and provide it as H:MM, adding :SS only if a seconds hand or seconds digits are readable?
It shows 5:49
